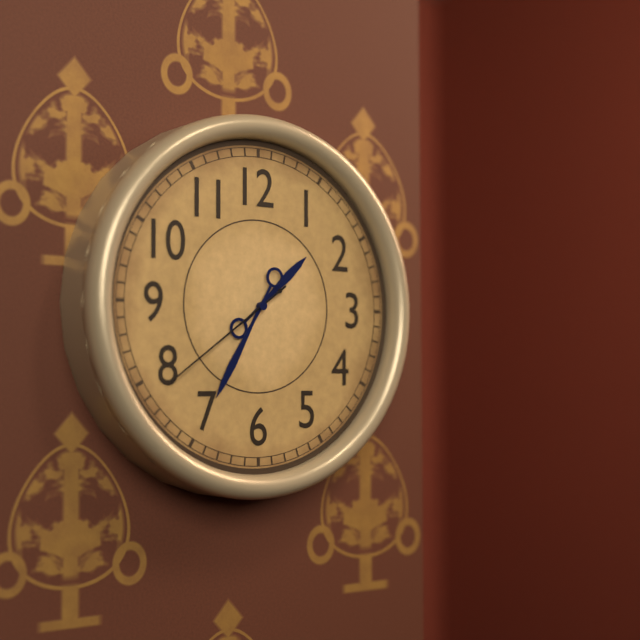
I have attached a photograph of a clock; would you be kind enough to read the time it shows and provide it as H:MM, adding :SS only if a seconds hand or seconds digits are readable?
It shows 1:35:39
